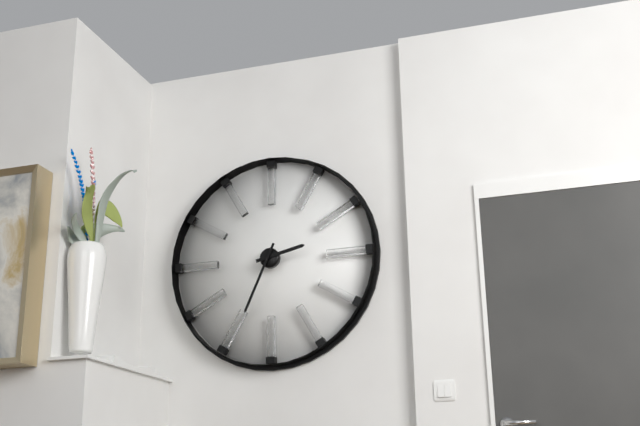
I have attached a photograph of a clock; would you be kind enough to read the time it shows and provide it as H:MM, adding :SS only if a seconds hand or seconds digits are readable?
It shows 2:34
